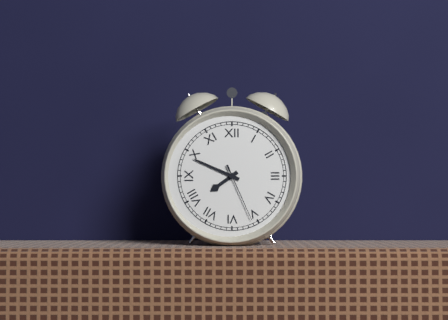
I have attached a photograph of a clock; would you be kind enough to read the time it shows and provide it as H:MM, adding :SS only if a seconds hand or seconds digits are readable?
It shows 7:49:26
